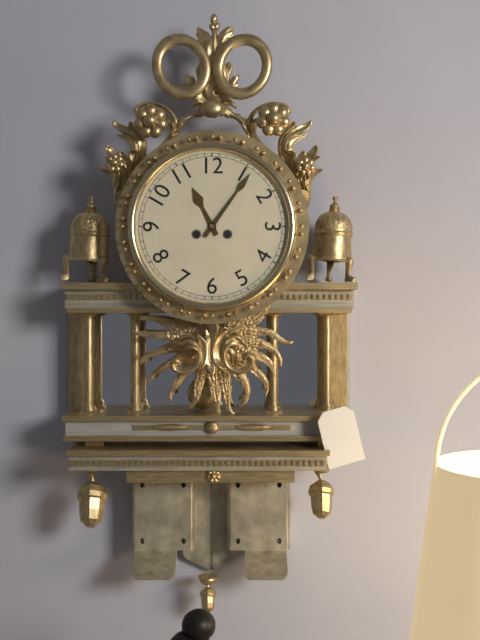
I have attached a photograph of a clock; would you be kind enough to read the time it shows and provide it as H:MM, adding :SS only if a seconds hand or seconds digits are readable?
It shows 11:06
